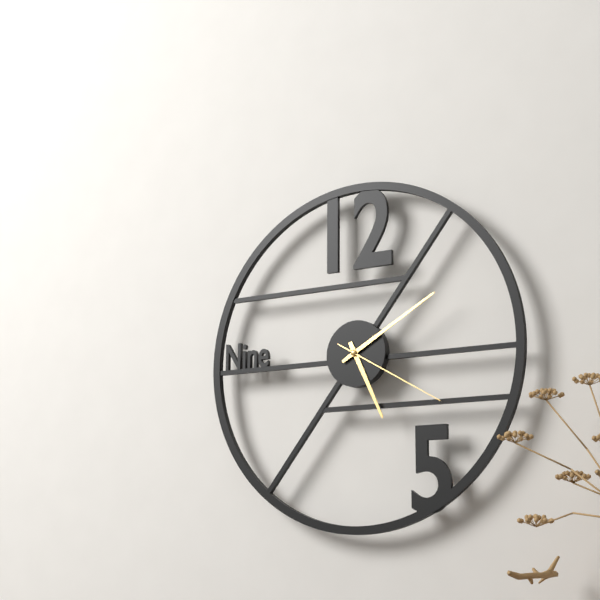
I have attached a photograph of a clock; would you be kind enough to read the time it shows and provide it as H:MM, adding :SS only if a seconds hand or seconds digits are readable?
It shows 5:10:20
